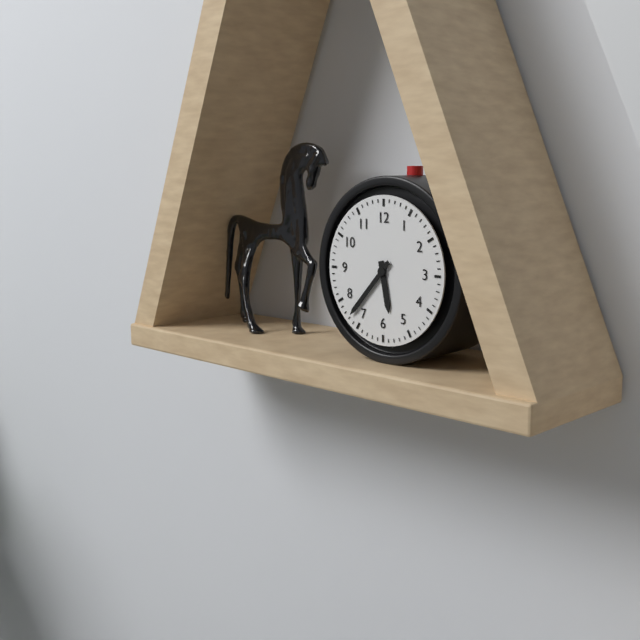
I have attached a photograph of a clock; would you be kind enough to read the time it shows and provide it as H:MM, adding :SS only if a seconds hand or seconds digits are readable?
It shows 5:37
